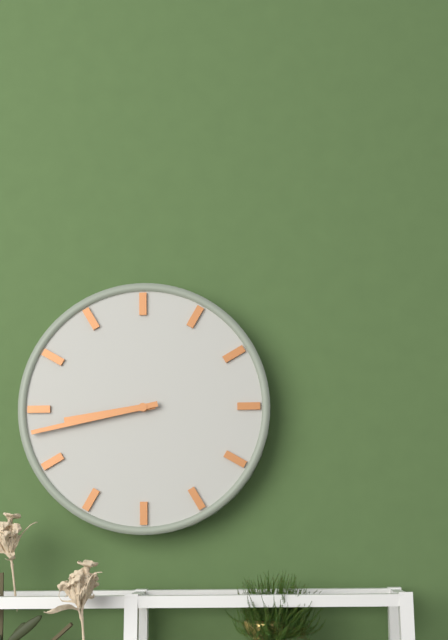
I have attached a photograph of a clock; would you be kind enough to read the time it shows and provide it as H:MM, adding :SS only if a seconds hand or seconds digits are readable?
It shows 8:43
